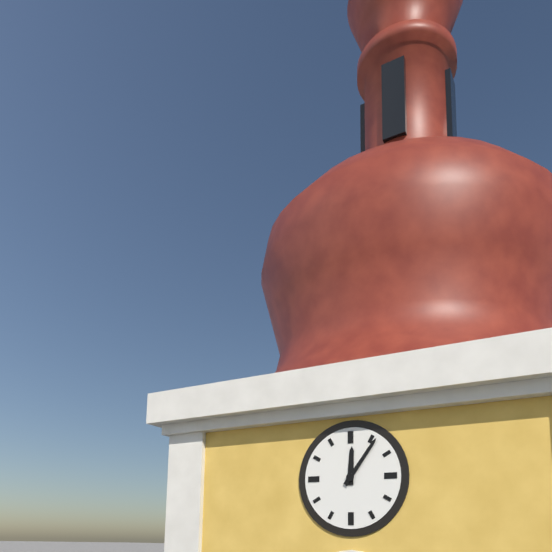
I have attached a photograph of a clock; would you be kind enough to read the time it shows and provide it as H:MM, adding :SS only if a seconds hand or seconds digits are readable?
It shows 12:06
